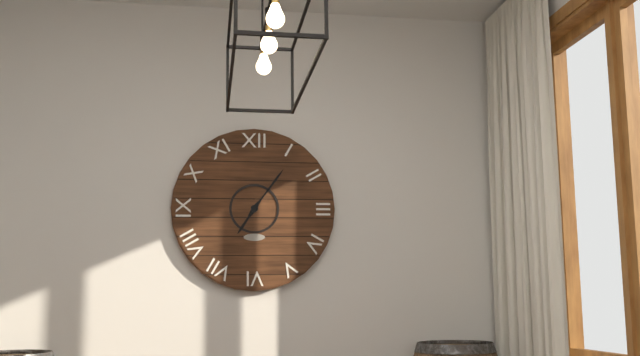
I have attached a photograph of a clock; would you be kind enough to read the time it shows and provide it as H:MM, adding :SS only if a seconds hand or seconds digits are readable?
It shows 7:06
